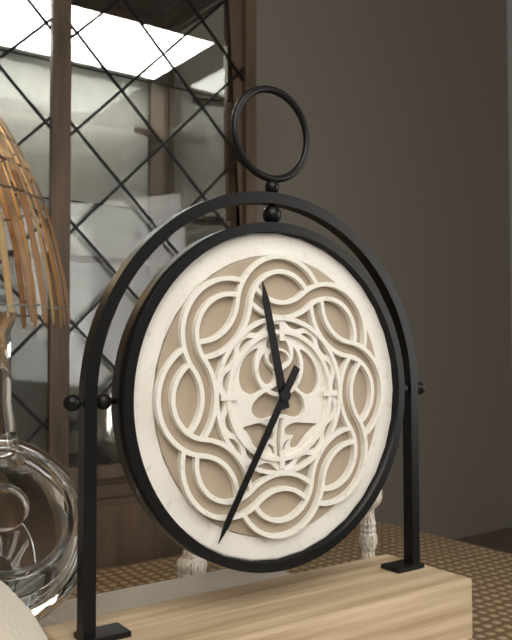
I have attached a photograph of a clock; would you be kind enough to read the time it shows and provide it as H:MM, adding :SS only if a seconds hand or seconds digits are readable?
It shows 11:35
